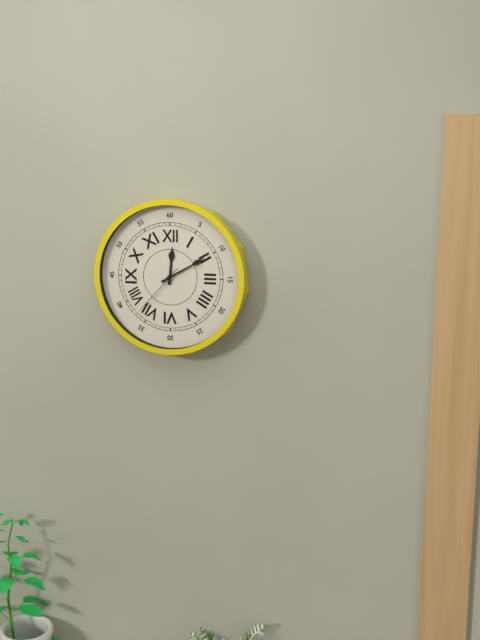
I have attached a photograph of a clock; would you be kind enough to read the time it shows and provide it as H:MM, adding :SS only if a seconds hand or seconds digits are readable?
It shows 12:10:37
